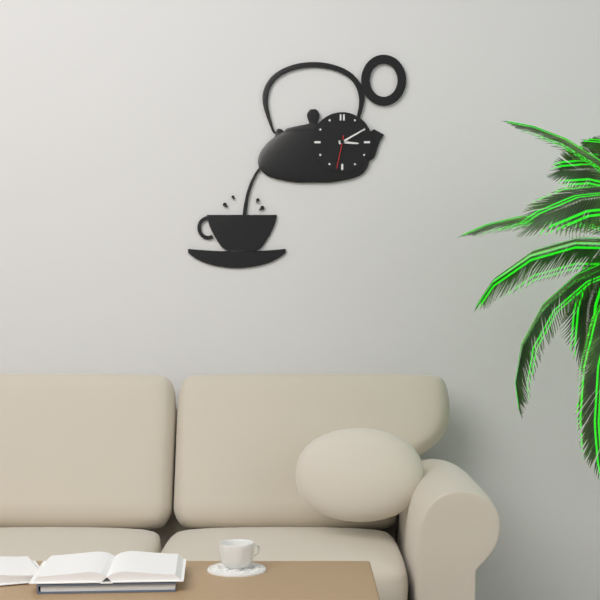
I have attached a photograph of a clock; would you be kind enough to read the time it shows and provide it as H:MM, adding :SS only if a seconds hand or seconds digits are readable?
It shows 3:10
